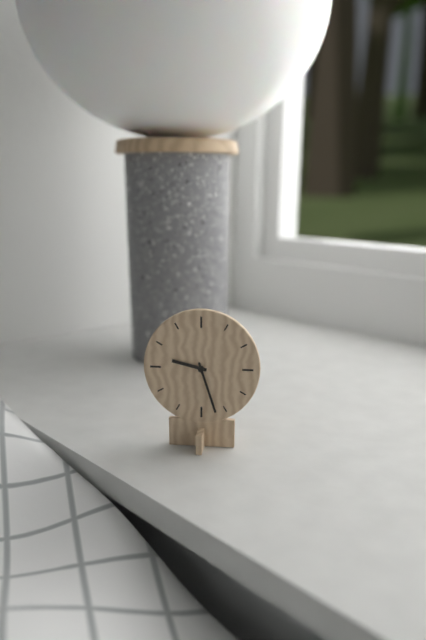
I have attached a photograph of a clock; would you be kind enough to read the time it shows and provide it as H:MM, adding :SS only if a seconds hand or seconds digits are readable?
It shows 9:27
